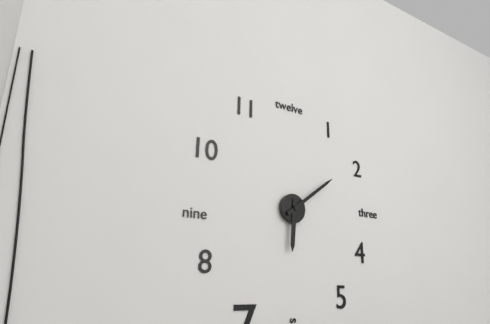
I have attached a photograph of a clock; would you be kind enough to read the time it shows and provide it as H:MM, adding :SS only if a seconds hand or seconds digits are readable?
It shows 6:09
